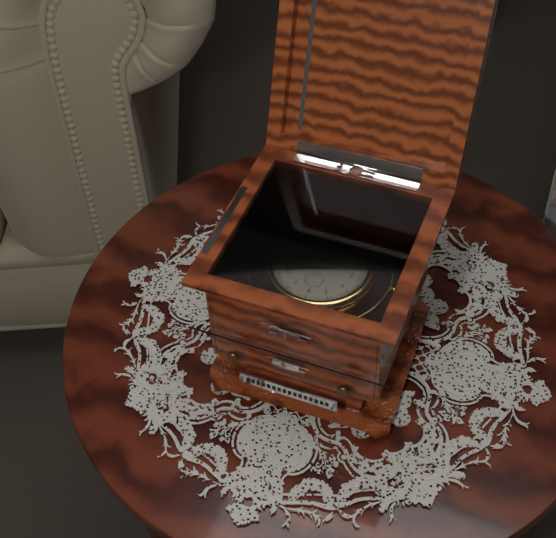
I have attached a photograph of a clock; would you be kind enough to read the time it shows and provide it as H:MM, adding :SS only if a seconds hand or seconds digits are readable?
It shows 11:42
